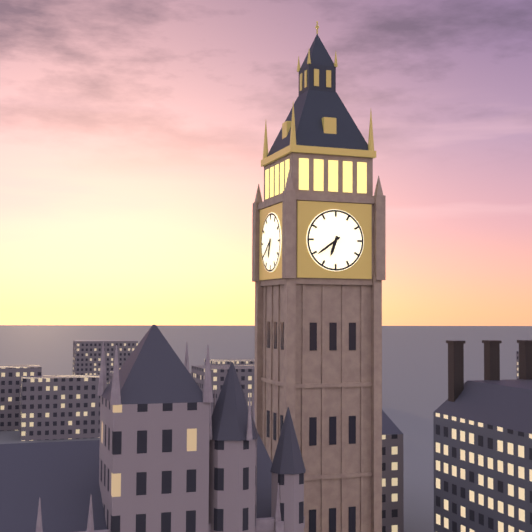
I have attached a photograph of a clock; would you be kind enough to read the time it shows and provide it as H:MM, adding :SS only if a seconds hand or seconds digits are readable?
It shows 6:39
